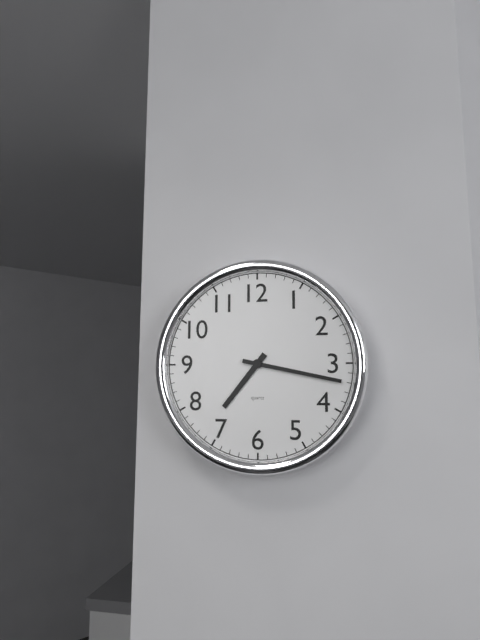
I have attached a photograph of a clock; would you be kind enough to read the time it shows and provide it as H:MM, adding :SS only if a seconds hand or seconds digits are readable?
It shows 7:17
